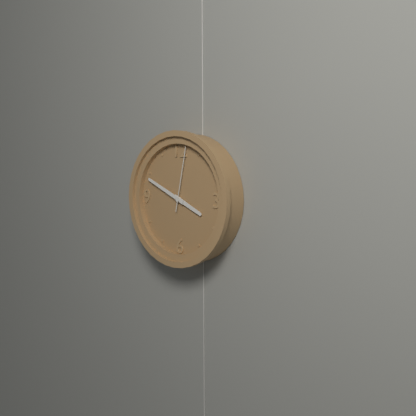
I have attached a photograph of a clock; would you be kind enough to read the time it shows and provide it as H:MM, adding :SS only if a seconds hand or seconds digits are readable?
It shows 3:49:02
